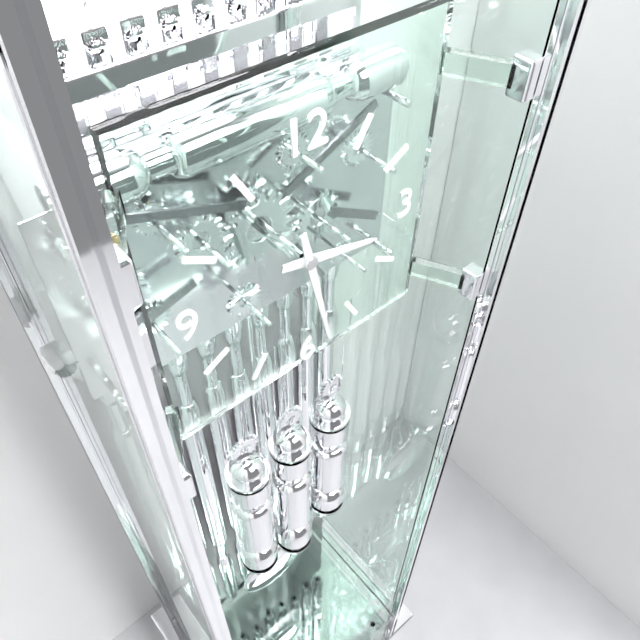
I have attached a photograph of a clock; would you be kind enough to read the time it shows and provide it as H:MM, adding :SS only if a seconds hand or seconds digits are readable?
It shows 3:28
